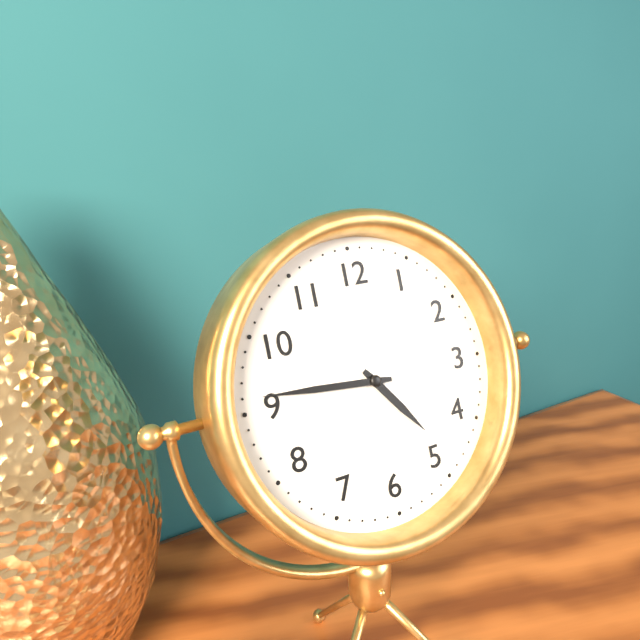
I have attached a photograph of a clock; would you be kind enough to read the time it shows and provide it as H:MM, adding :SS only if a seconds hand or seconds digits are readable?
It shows 4:46
